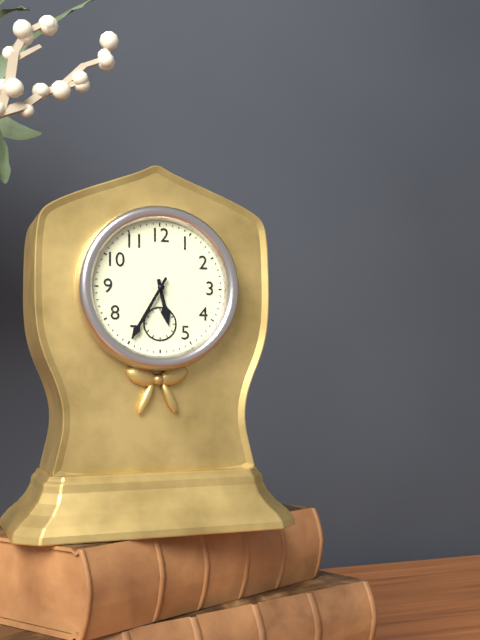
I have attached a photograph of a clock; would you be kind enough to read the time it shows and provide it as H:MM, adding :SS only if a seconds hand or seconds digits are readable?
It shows 5:35
